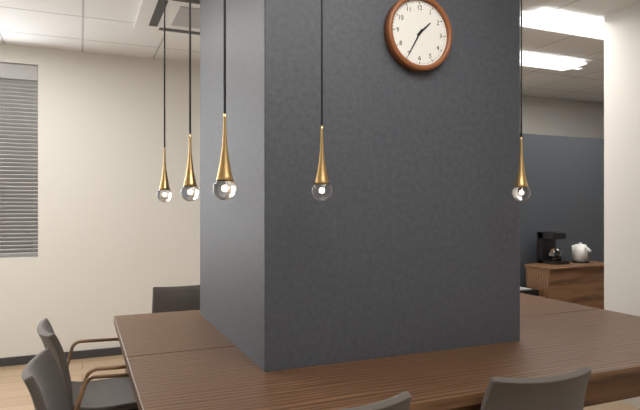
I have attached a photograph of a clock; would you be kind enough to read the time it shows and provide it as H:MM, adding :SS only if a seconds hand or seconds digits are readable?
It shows 1:35
